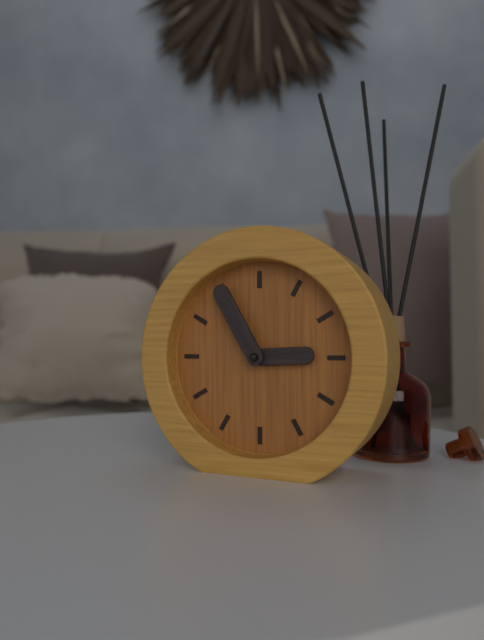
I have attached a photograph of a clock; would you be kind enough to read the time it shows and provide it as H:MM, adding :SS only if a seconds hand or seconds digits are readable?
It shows 2:55
